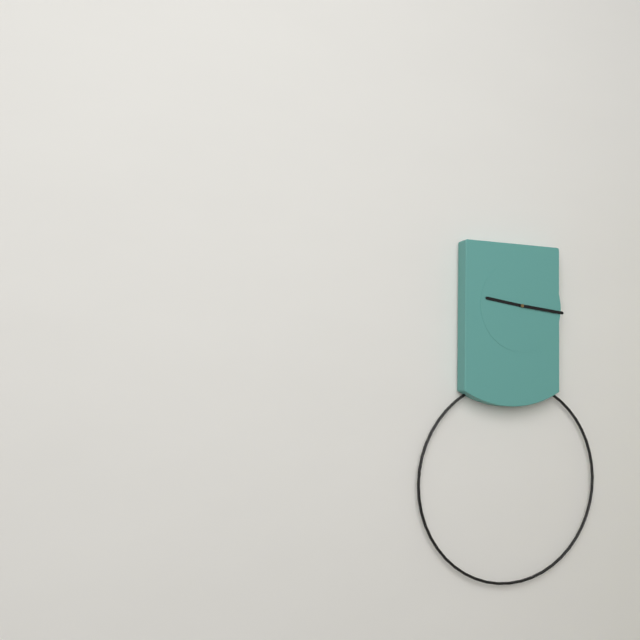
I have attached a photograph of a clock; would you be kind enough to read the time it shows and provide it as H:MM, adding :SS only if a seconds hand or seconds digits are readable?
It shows 9:16
